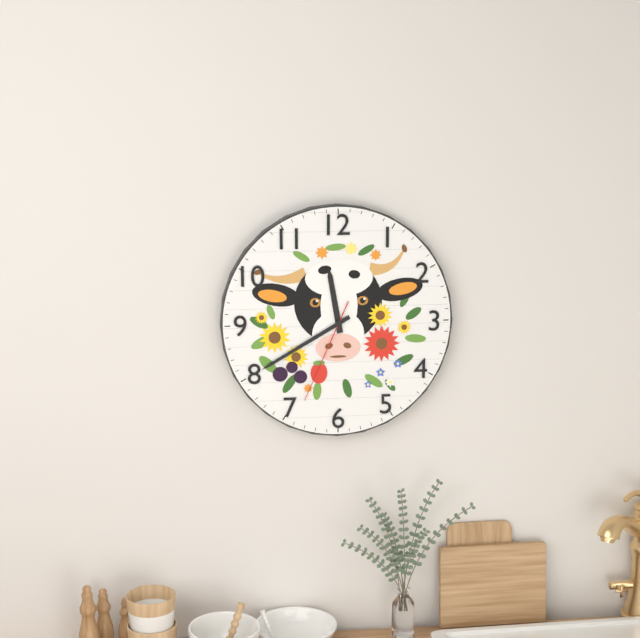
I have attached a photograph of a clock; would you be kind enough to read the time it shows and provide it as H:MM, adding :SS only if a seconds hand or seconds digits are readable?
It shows 11:40:34
